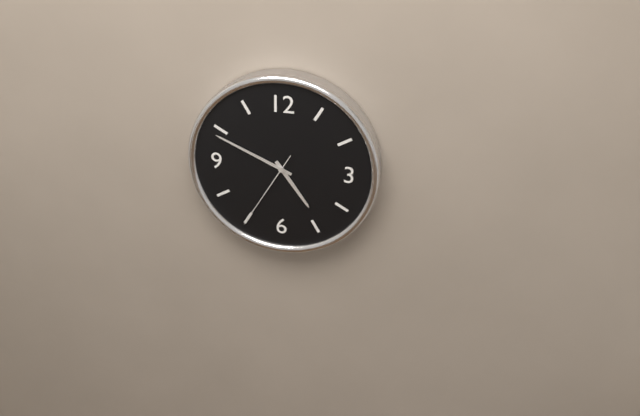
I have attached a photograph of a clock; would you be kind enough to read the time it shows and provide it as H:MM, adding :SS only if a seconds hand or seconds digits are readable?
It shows 4:49:35
